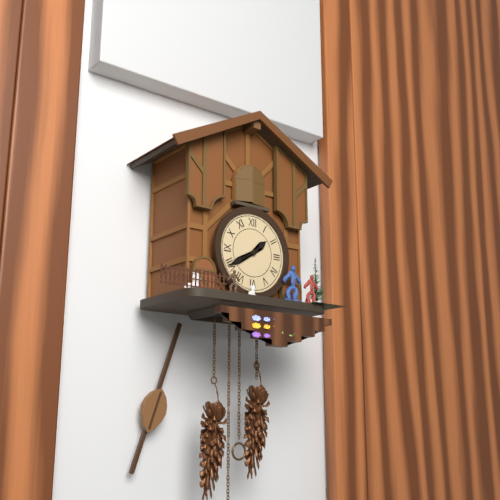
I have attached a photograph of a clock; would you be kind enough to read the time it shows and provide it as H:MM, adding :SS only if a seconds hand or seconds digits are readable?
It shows 1:40
